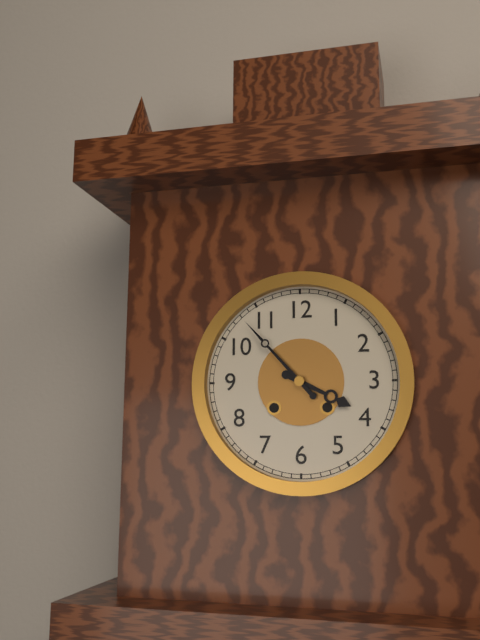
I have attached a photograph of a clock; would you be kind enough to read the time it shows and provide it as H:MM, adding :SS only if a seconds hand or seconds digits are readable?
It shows 3:53
